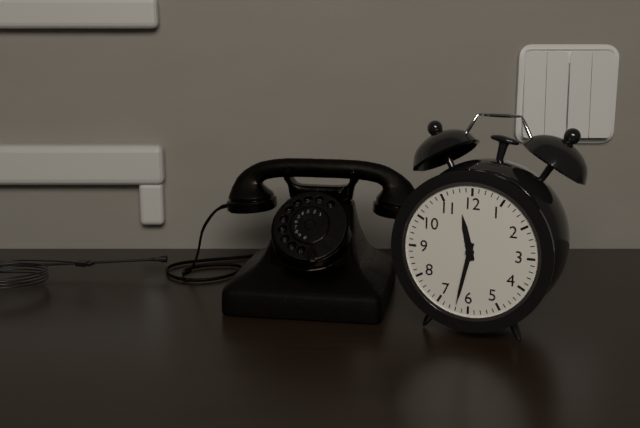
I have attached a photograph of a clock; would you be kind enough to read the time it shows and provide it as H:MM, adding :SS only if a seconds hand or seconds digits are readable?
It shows 11:32
